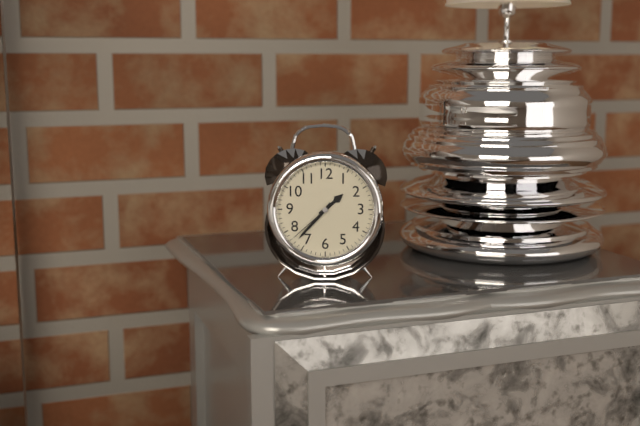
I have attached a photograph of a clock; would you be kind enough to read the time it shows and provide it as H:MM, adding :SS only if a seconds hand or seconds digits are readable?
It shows 1:37:38
